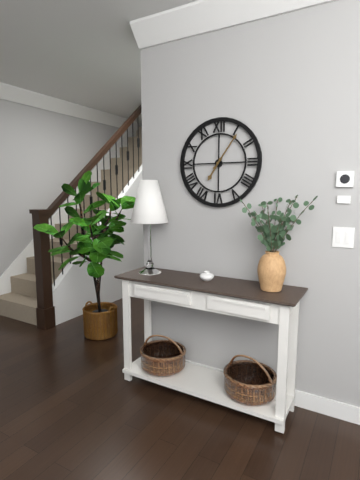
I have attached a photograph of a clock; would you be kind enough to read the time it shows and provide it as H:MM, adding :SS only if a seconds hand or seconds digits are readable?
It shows 7:06
